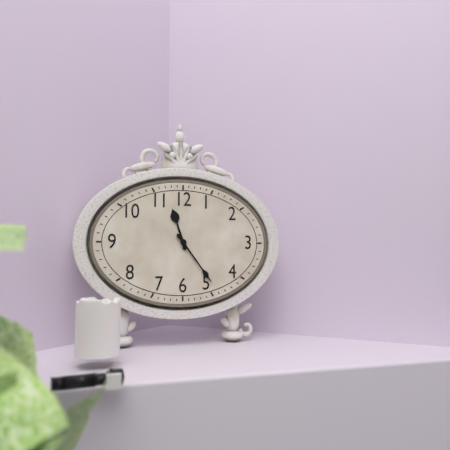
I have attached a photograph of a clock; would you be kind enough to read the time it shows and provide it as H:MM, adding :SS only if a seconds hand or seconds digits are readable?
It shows 11:24
